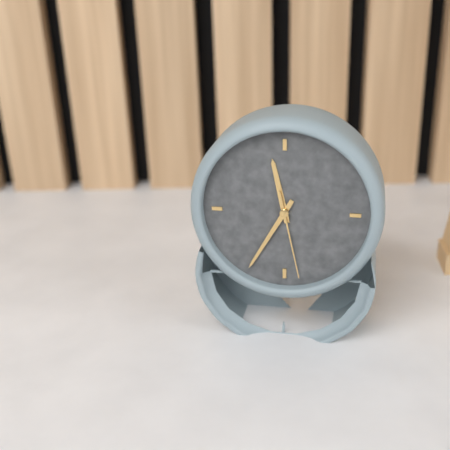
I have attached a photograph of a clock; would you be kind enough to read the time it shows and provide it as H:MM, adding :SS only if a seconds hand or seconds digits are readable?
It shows 11:35:28
